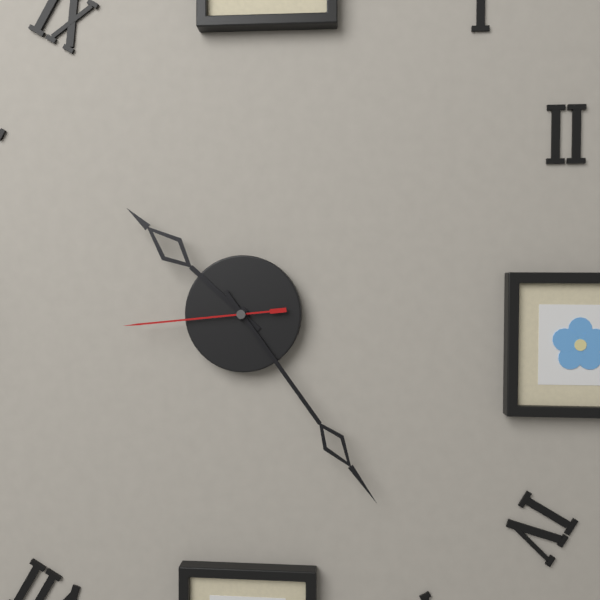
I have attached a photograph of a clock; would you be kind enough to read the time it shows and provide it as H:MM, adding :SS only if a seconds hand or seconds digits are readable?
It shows 10:24:44
